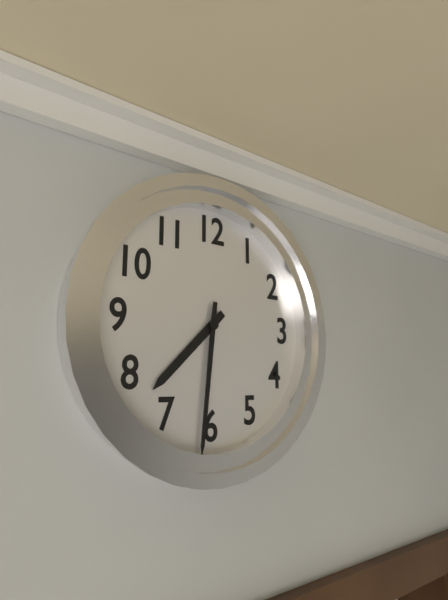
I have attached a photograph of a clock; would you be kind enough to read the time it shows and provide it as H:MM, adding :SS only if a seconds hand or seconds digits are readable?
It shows 7:31
